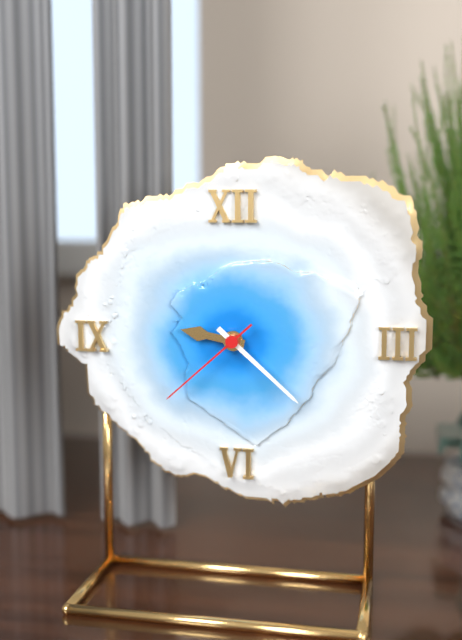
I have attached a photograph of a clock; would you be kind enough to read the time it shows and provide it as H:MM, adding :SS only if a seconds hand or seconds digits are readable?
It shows 9:22:38
